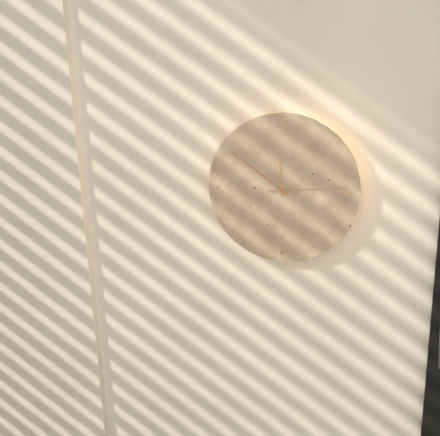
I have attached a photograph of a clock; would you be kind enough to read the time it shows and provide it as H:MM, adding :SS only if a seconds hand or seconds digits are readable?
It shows 11:51:14
